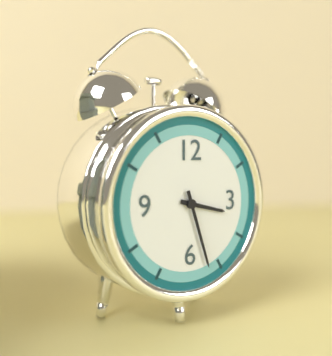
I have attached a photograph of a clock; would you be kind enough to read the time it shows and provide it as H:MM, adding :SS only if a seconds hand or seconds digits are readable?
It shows 3:27
